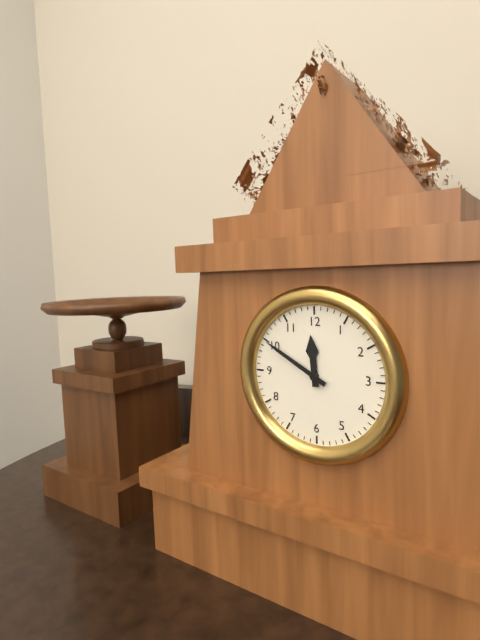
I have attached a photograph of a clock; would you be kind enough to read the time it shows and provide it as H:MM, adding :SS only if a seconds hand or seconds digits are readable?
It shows 11:50
